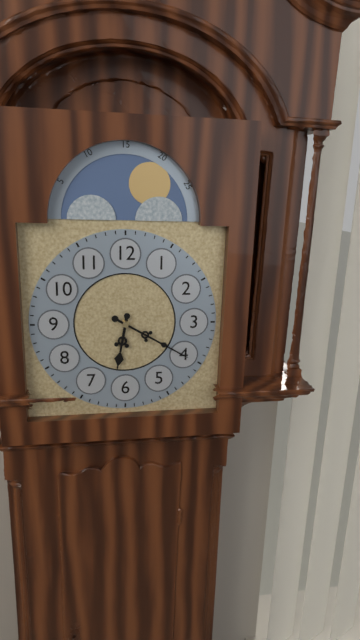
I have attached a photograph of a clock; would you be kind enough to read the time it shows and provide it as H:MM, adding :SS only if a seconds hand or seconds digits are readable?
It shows 6:20
